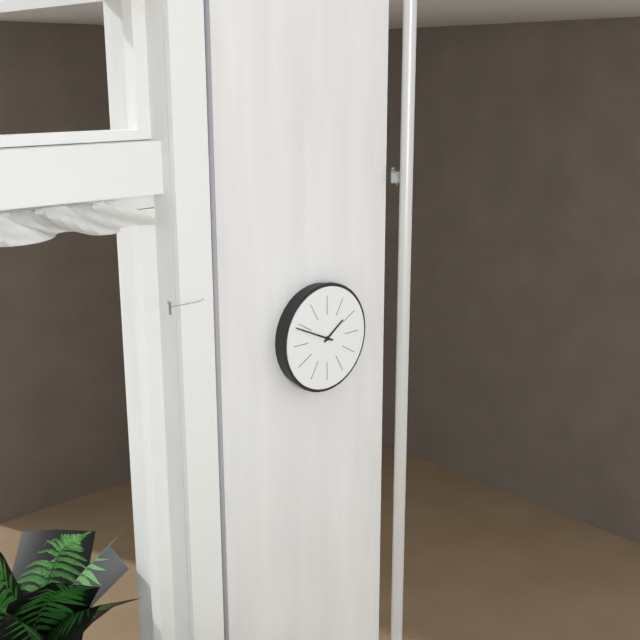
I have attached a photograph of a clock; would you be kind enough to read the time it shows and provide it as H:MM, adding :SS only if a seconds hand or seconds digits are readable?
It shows 1:49
